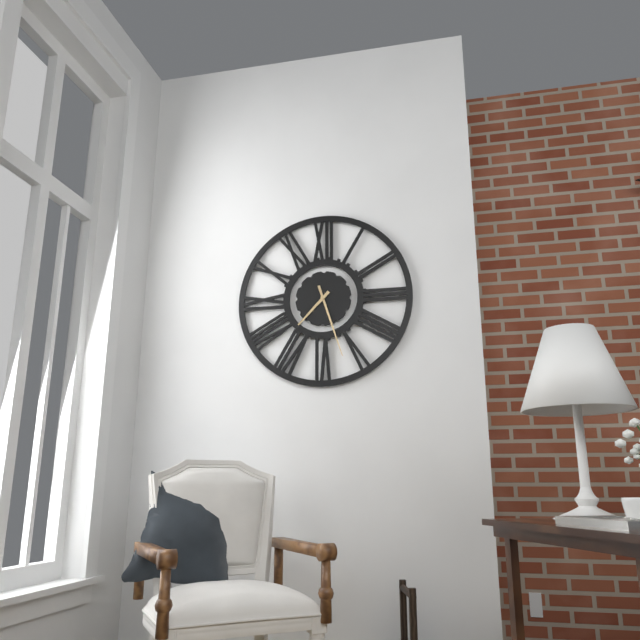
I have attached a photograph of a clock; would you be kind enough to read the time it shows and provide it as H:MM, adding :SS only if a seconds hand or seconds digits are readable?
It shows 7:27
